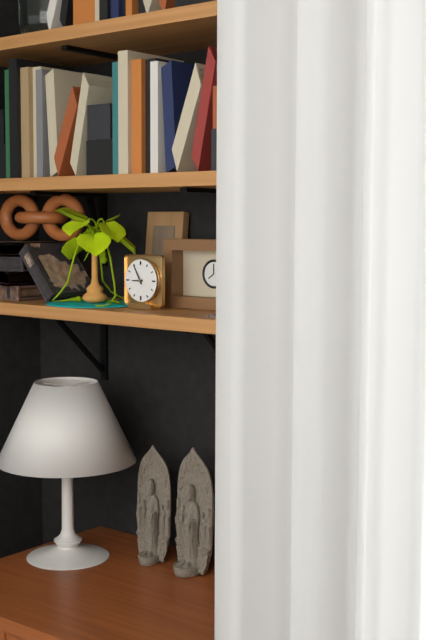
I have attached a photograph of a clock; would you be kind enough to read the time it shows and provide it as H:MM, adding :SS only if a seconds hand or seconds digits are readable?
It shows 8:55
